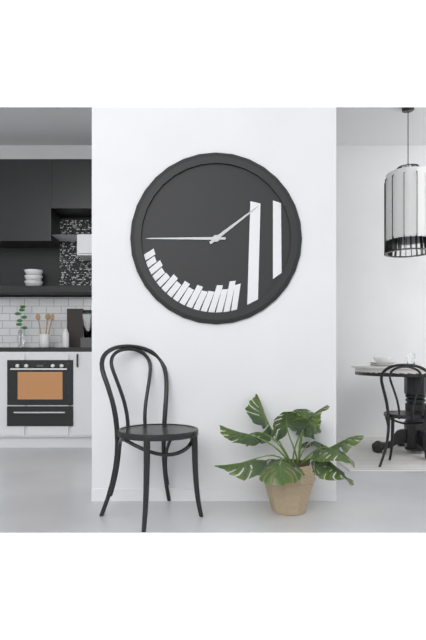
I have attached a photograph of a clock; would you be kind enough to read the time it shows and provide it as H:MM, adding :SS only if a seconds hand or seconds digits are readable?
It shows 1:45
